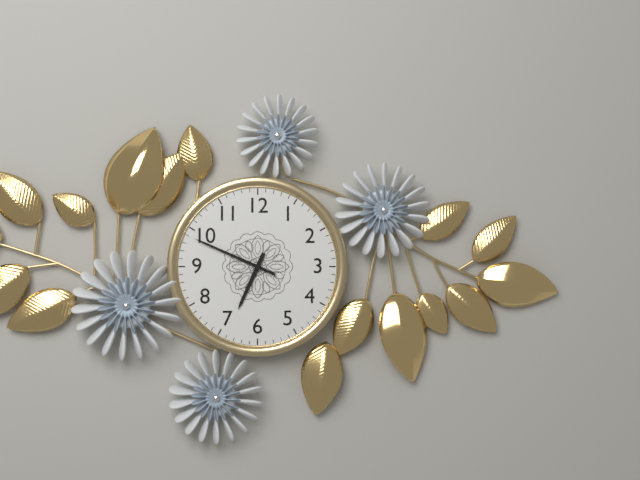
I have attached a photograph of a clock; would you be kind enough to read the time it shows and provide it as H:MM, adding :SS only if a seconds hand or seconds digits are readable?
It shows 6:49
